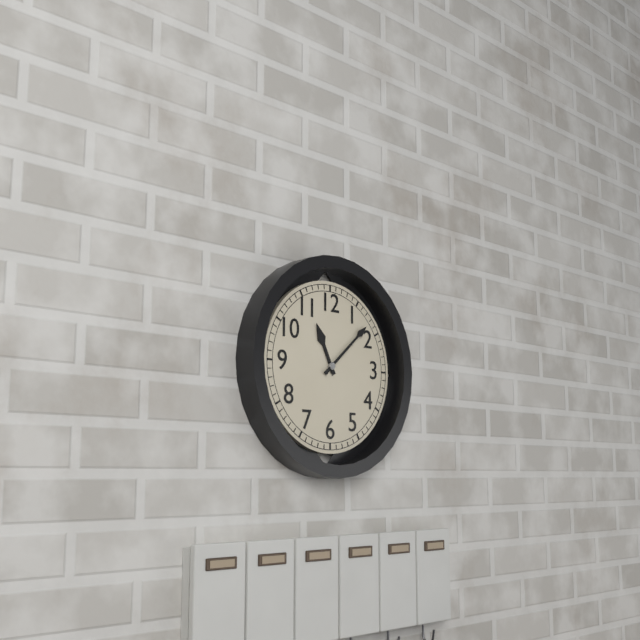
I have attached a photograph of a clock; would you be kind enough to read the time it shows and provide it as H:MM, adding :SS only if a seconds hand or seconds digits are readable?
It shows 11:08
